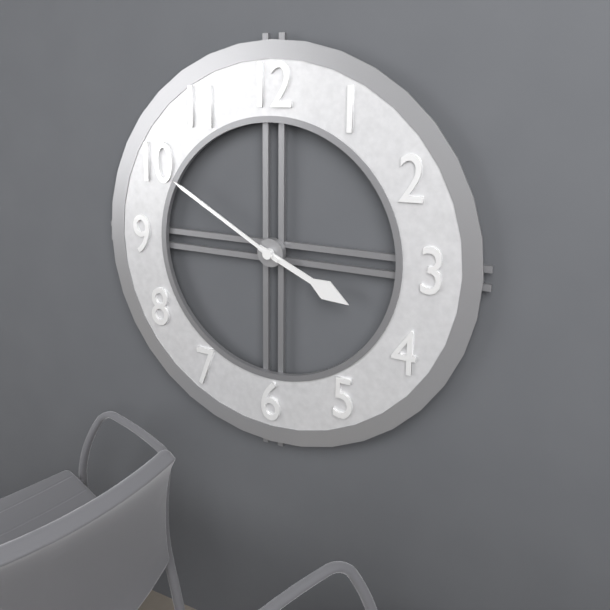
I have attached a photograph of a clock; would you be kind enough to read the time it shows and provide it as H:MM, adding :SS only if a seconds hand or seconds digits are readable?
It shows 3:50
